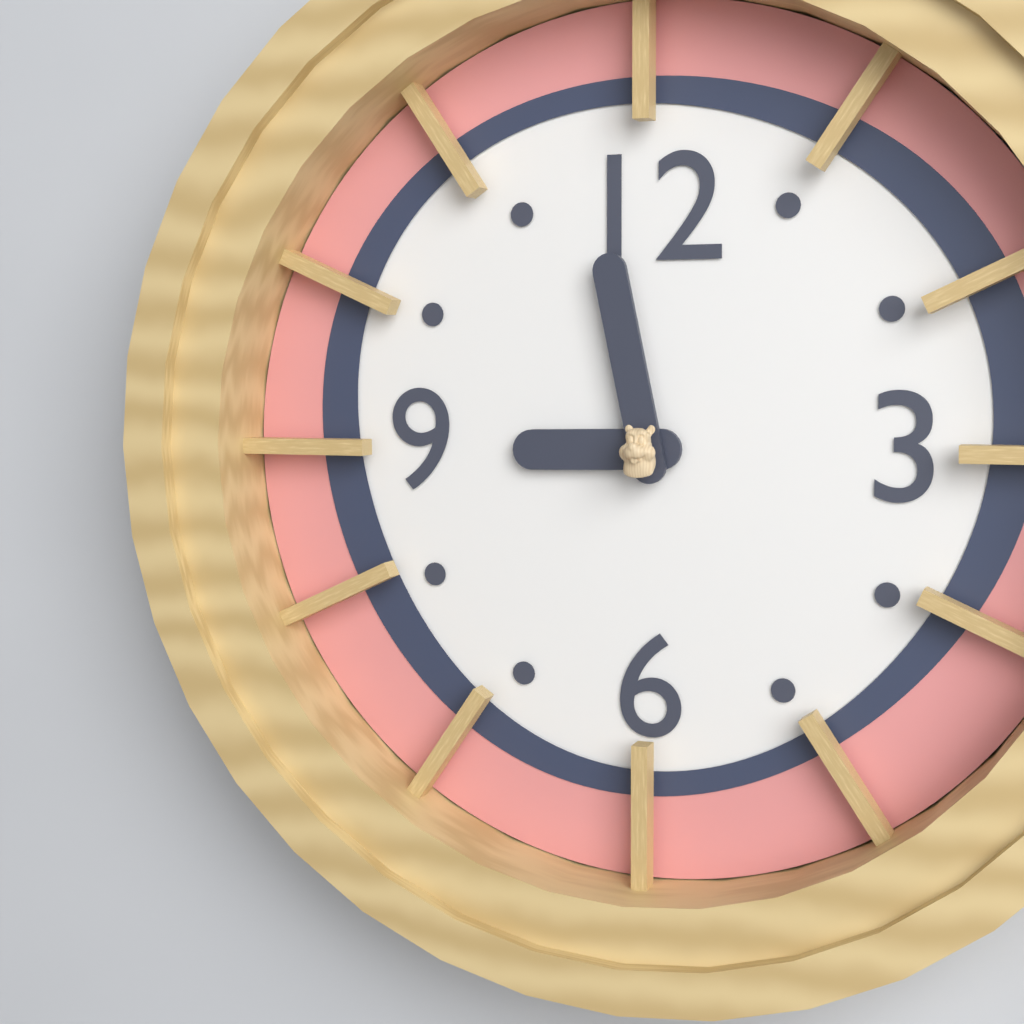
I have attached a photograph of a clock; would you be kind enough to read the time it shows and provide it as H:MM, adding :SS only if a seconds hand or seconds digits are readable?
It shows 8:58
